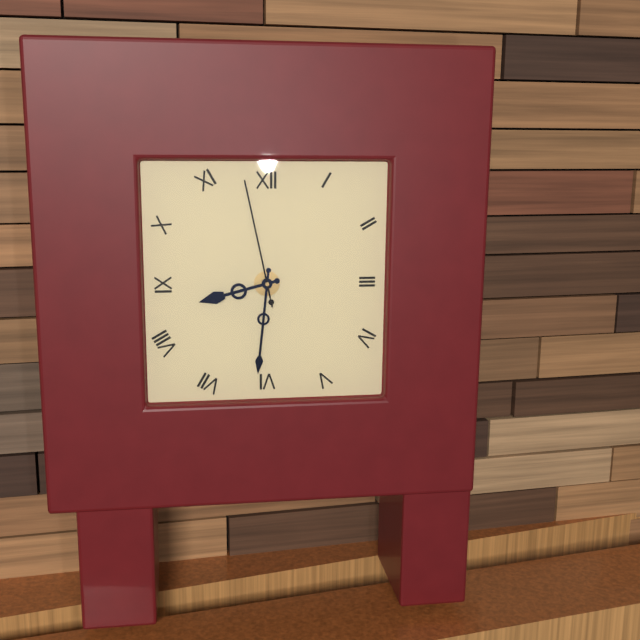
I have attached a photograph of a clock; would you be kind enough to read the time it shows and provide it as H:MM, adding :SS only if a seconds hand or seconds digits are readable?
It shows 8:31:58
